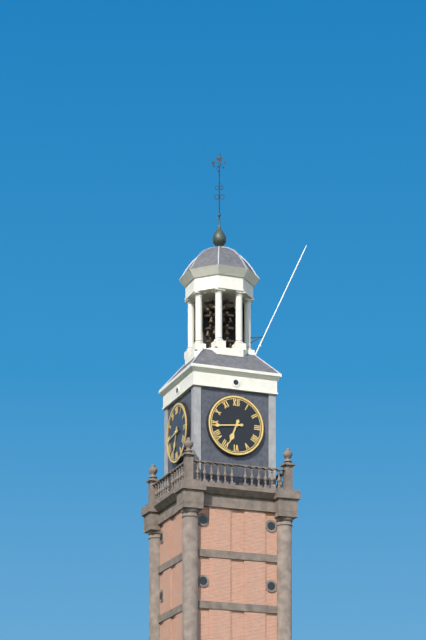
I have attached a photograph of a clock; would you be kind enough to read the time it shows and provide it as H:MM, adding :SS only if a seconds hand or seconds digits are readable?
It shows 6:44
